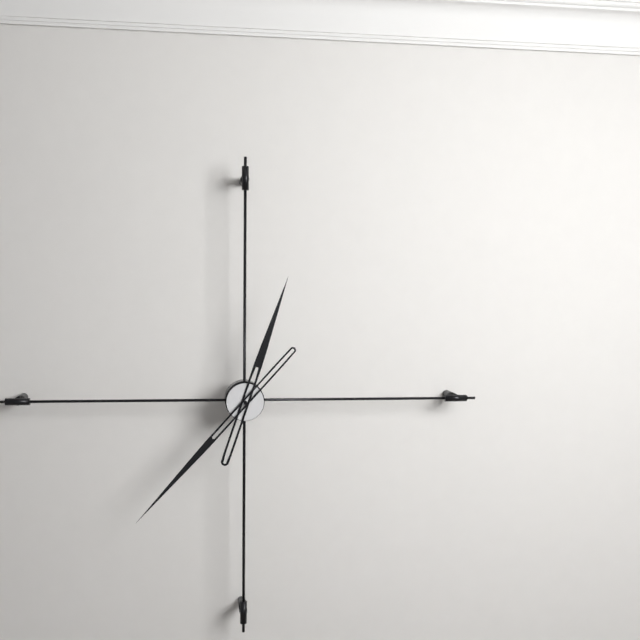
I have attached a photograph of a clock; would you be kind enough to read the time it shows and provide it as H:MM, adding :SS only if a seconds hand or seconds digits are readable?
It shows 12:37
